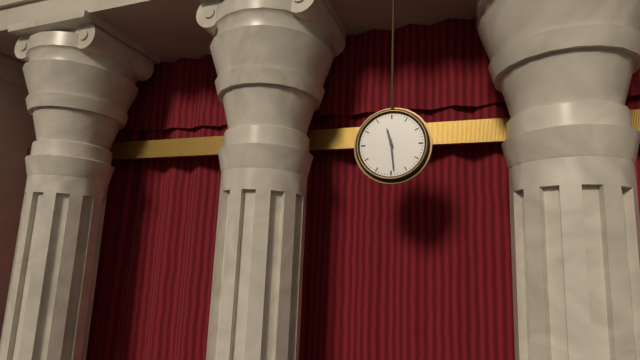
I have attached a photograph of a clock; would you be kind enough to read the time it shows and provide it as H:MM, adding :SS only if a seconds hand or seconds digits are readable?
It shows 11:29
